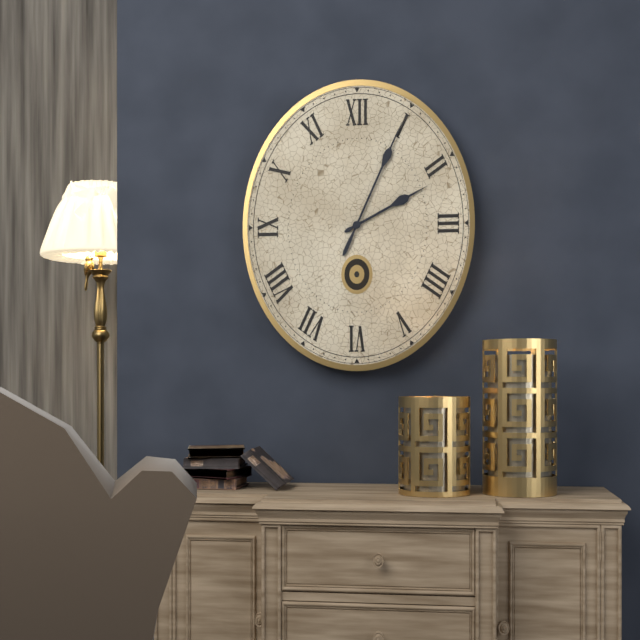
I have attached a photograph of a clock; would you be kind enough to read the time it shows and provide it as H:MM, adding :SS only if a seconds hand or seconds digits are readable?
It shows 2:04
